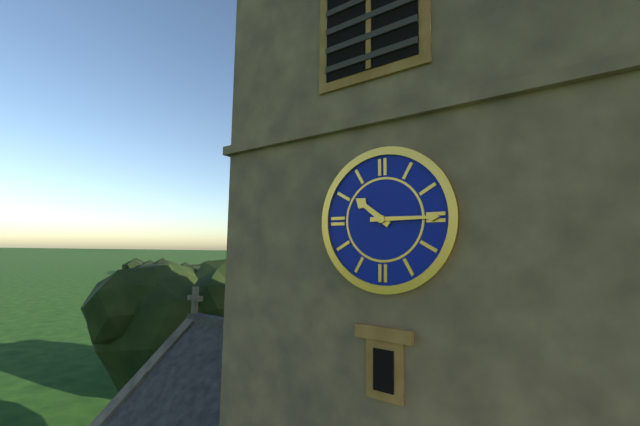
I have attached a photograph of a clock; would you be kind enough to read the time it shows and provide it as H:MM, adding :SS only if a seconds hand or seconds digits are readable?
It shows 10:15
